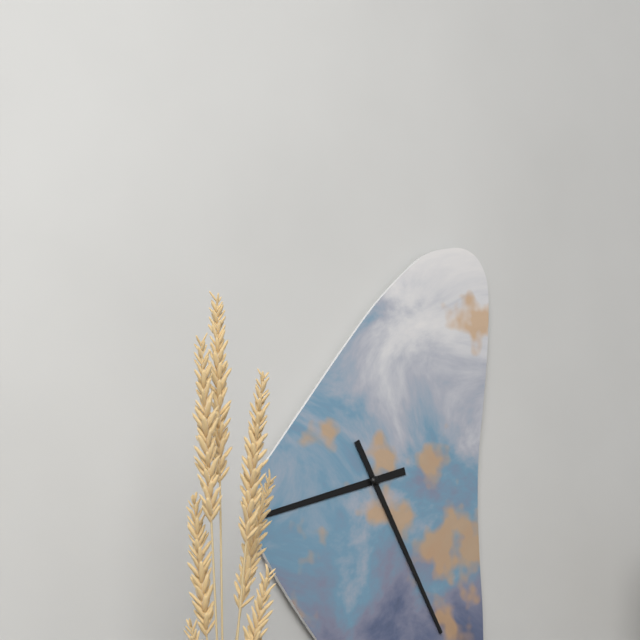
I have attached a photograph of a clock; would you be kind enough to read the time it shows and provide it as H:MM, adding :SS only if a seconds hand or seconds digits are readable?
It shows 8:25
